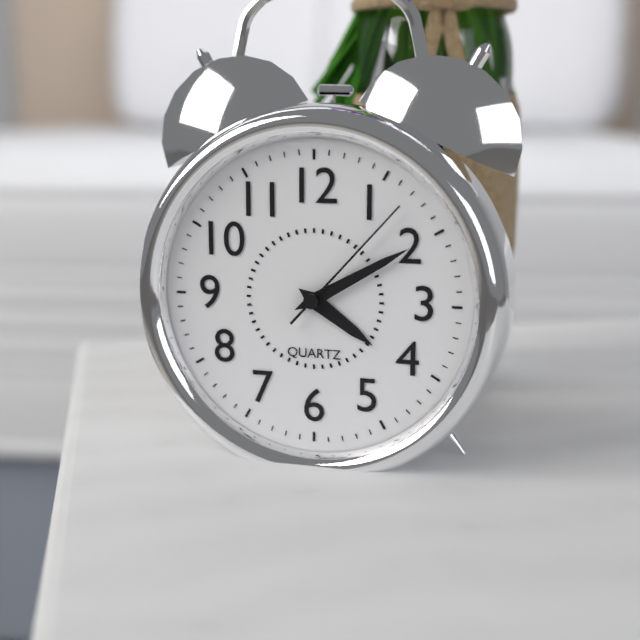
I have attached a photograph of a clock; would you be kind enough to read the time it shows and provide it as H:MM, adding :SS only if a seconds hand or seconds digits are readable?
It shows 4:10:07
